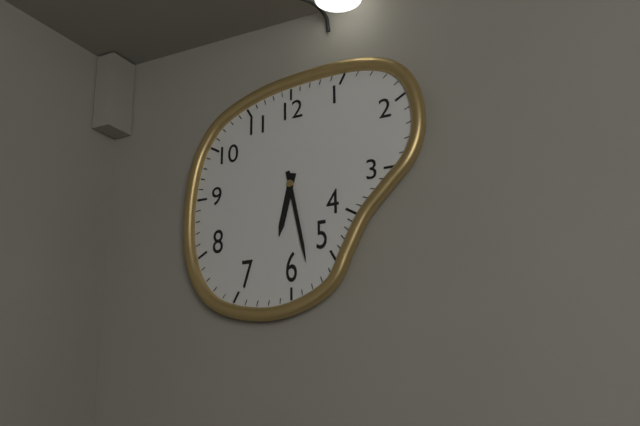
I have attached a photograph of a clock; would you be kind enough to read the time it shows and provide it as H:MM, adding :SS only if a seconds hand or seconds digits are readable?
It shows 6:28
